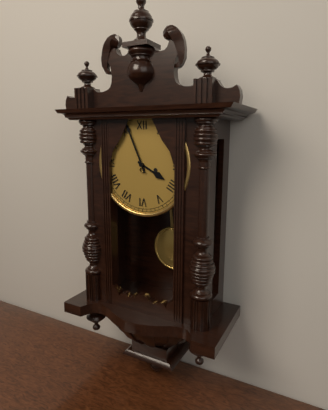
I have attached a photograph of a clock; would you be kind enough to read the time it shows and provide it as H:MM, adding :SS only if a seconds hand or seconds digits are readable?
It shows 3:56
